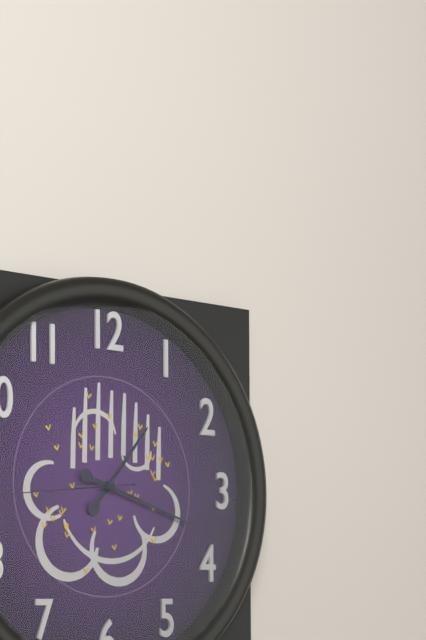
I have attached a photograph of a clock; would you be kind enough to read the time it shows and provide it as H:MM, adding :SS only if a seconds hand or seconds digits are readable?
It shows 1:18
